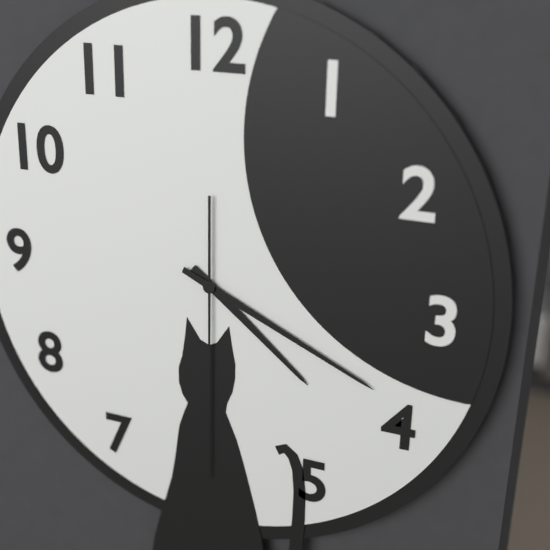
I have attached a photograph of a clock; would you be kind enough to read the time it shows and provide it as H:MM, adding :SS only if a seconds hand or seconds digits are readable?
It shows 4:19:30
